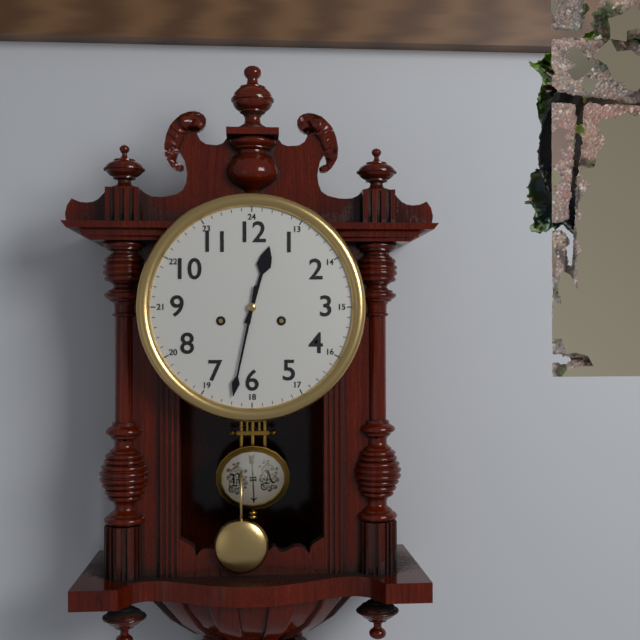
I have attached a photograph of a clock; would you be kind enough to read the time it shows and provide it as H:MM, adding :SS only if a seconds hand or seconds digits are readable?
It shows 12:32
